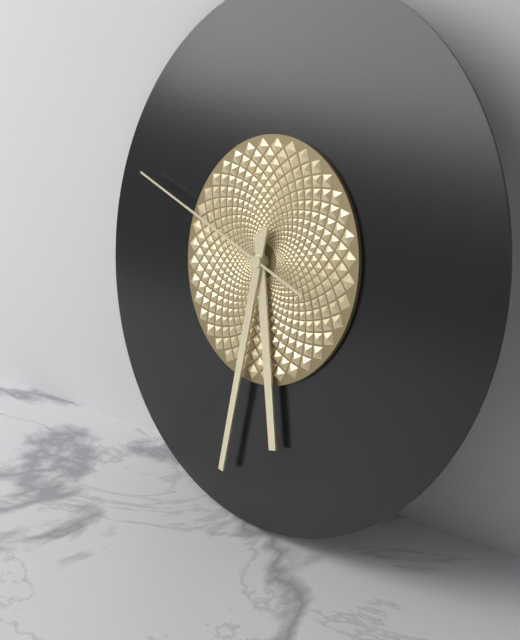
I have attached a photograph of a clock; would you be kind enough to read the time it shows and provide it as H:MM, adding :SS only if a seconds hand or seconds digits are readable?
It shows 5:31:48
